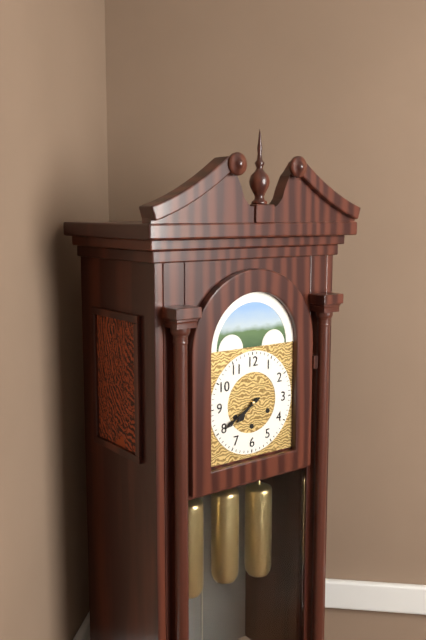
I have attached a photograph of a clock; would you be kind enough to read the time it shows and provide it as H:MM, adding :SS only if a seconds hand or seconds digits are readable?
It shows 7:40
